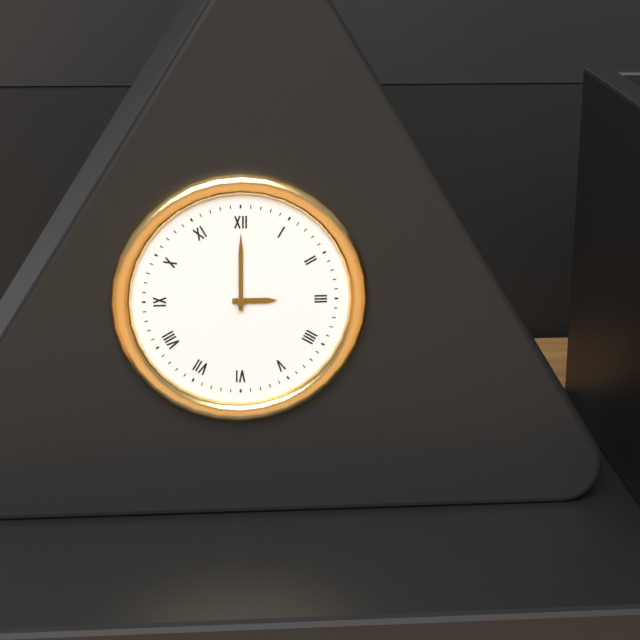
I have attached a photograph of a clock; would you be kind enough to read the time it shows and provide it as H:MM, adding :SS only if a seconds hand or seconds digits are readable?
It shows 3:00
